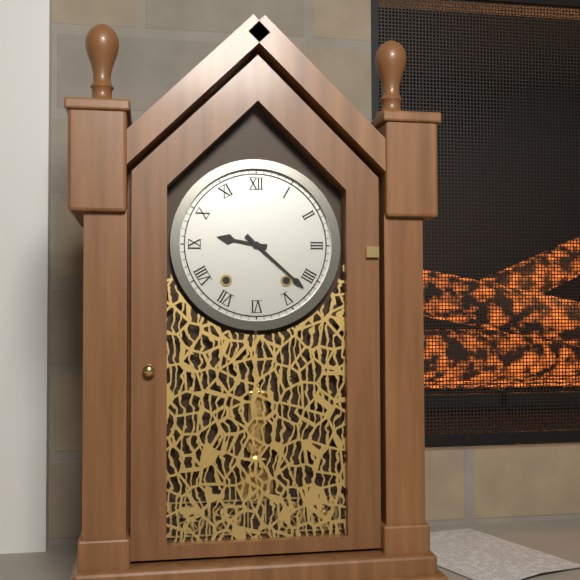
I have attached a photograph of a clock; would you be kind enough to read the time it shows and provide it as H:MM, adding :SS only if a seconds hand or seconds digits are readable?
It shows 9:22
